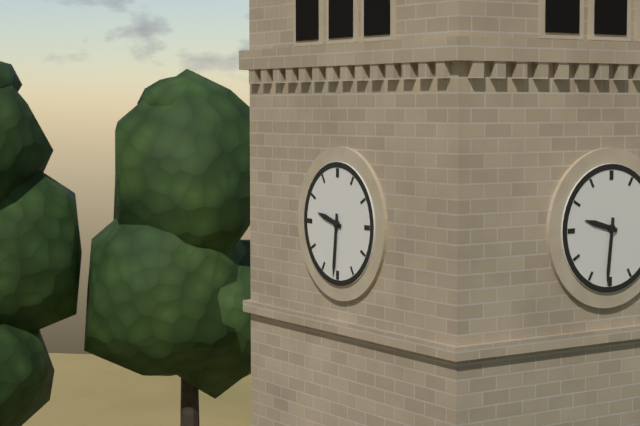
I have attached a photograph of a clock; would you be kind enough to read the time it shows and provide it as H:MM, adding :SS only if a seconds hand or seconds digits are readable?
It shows 9:31
